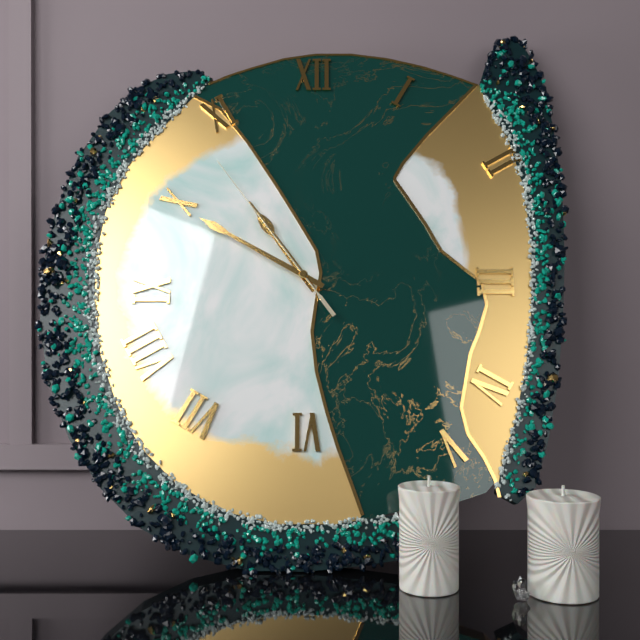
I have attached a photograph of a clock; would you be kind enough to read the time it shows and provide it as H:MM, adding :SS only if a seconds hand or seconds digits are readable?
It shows 10:50:54
